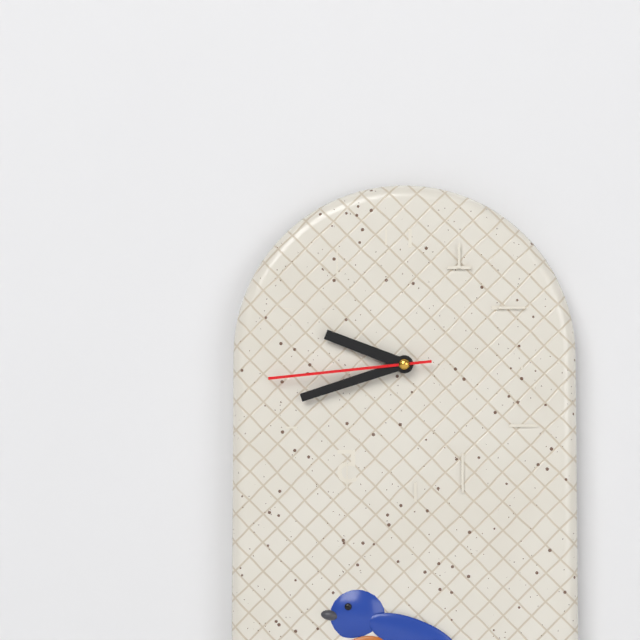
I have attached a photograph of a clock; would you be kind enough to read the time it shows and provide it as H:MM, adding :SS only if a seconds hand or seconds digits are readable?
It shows 9:42:44
